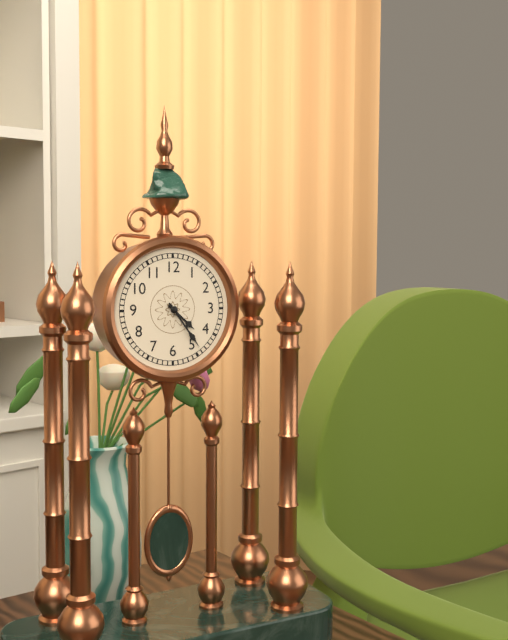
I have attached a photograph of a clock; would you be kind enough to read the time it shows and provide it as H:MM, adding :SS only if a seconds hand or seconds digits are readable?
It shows 4:24
